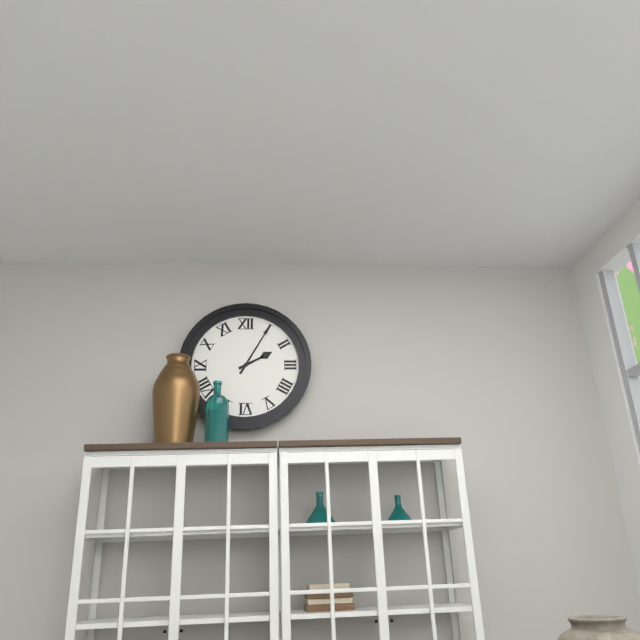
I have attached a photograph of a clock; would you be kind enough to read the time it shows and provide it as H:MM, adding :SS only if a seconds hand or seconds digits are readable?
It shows 2:05
